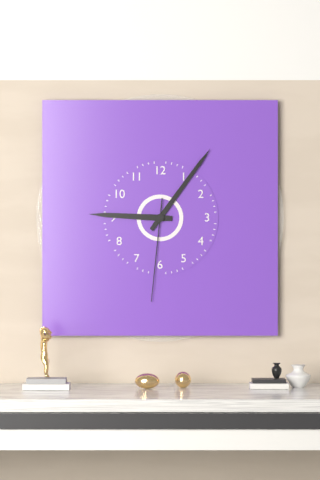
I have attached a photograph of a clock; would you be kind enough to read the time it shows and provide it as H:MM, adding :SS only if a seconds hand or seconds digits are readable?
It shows 9:06:31
